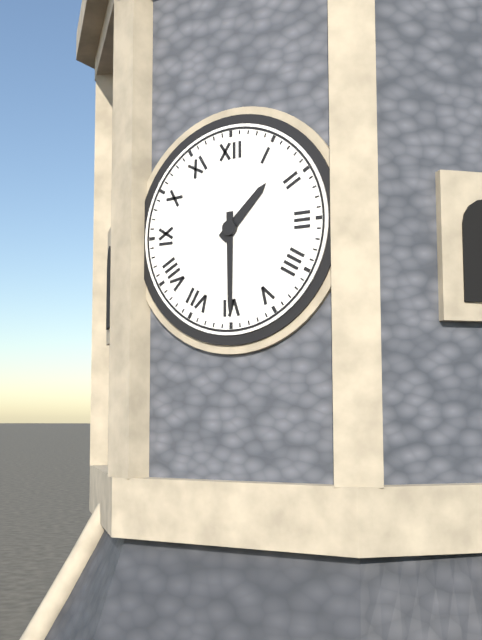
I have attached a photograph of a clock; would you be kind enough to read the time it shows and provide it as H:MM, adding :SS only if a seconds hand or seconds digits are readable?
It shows 1:30
